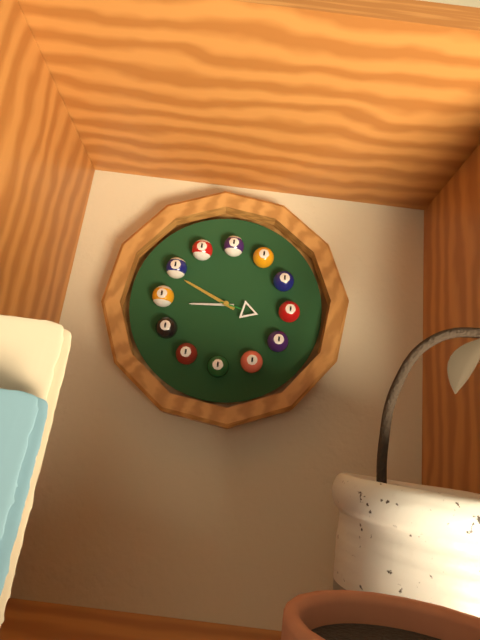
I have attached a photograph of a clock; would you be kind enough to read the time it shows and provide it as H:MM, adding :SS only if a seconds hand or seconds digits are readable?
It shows 8:49
